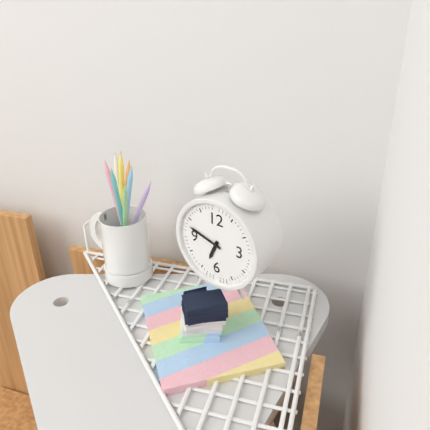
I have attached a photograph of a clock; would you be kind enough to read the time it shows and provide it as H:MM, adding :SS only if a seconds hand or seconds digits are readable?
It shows 6:48
